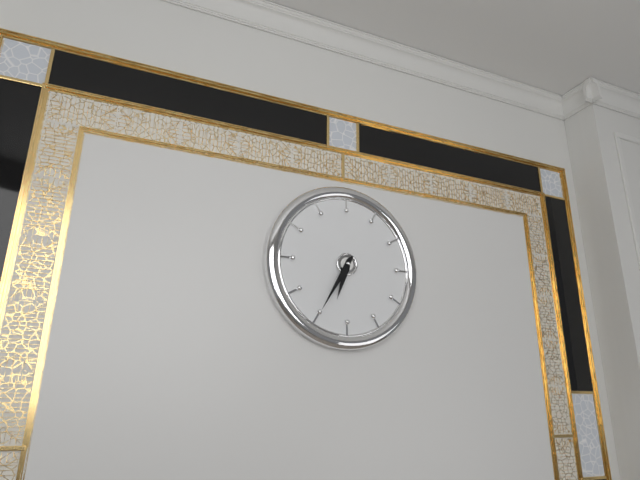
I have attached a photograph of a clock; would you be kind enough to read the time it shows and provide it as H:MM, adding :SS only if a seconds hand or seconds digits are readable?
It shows 6:35
